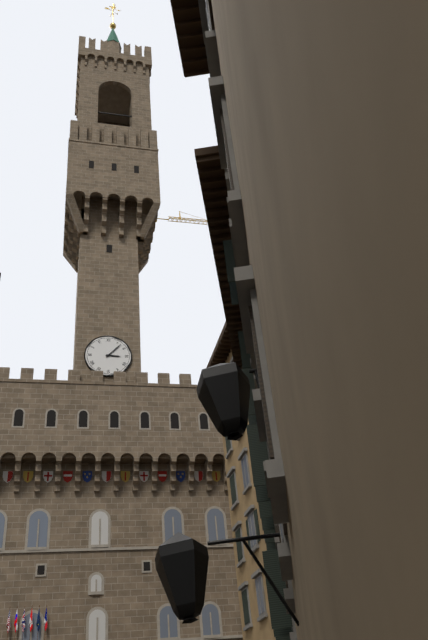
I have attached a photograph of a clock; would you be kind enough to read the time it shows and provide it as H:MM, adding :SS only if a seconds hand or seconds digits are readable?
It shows 3:07
